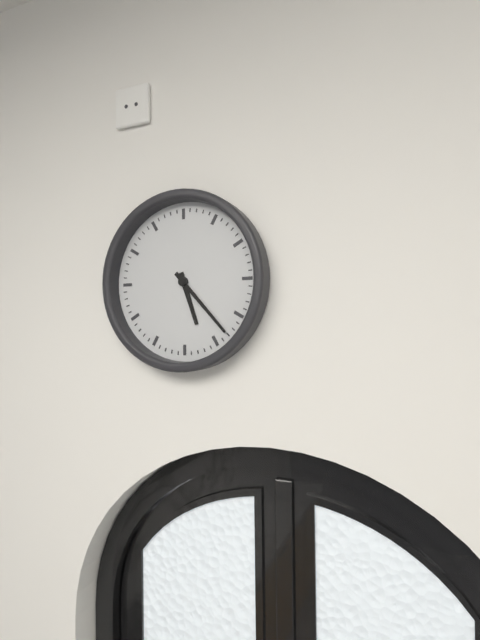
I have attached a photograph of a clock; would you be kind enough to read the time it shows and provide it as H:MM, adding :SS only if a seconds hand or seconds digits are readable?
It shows 5:23
